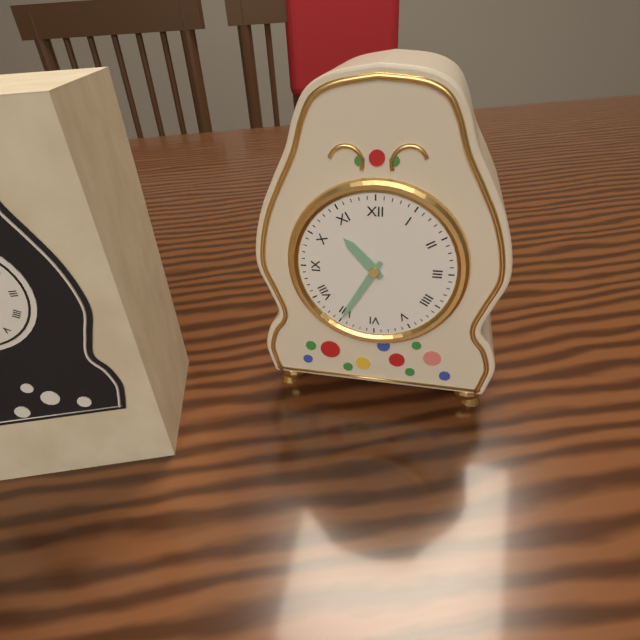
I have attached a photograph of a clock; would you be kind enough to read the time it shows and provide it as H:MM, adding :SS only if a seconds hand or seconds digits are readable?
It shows 10:35
